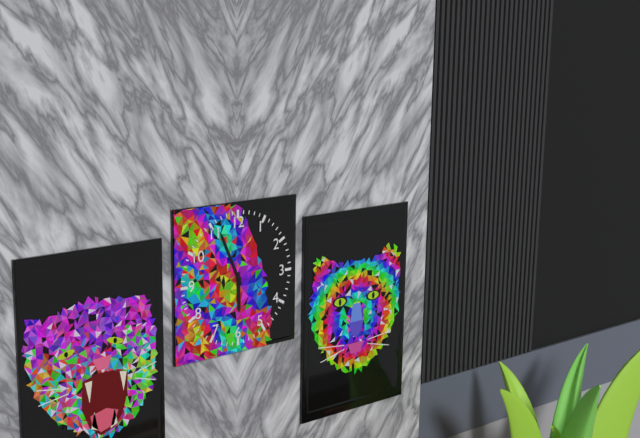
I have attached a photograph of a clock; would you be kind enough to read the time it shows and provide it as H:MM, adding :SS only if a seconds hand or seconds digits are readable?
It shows 5:56
